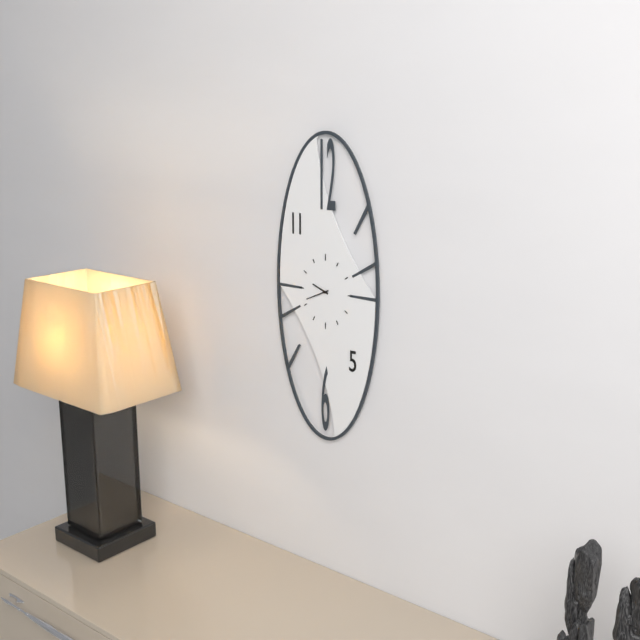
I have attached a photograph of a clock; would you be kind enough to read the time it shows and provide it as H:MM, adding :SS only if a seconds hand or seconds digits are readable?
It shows 9:41
